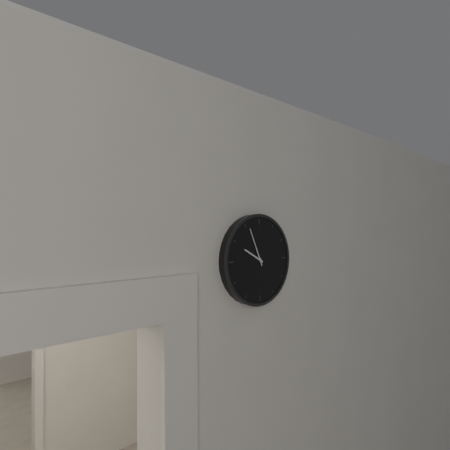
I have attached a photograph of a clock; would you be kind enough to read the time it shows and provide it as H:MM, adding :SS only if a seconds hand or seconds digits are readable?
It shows 9:56
